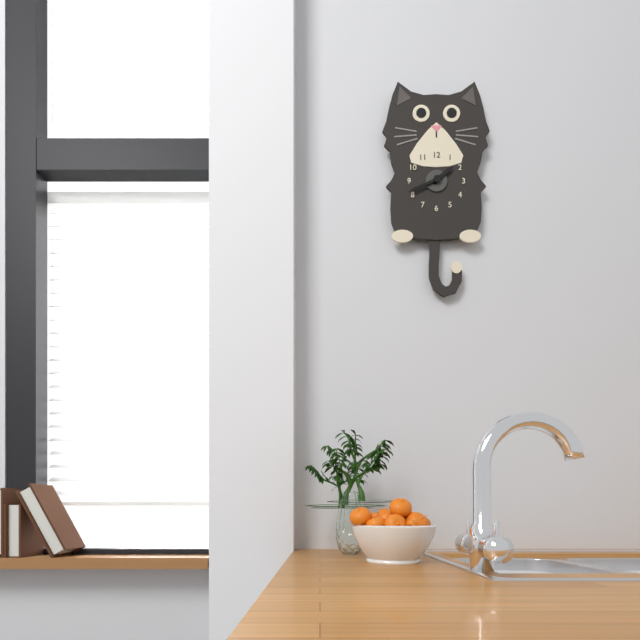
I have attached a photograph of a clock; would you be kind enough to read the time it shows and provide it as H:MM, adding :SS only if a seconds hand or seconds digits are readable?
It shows 1:41
